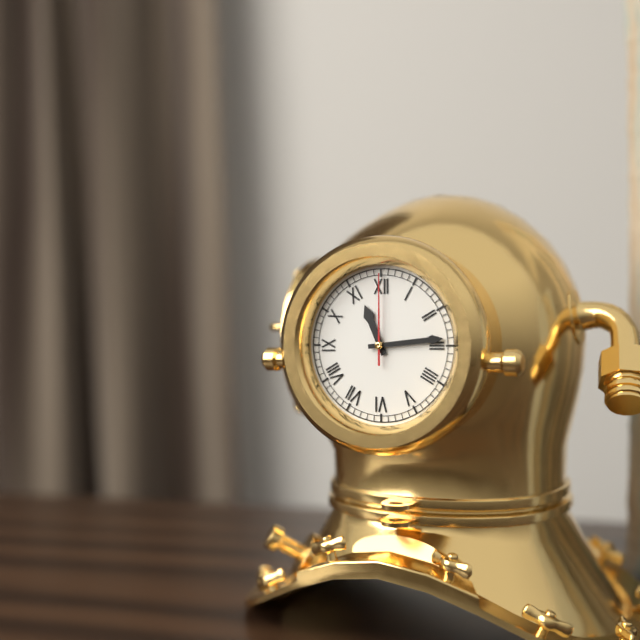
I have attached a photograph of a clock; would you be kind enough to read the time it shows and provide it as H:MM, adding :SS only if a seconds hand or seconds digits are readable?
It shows 11:14:00
